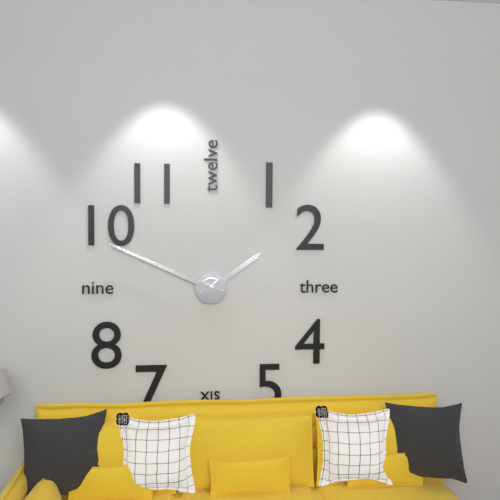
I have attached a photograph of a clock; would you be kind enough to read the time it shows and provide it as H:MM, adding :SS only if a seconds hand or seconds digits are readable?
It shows 1:49
